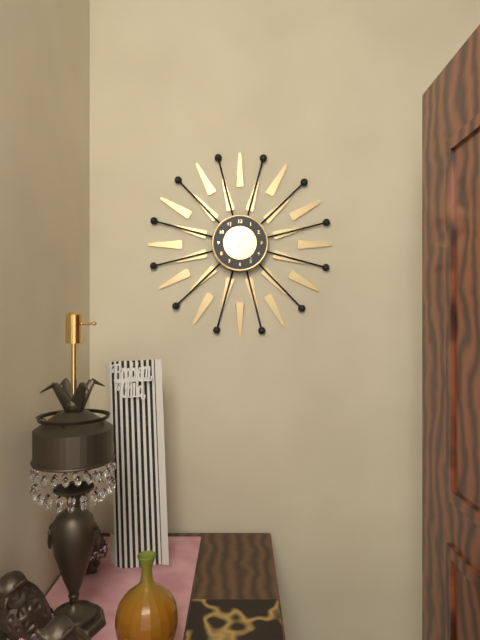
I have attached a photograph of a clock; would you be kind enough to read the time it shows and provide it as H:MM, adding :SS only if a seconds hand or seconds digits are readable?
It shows 1:24
